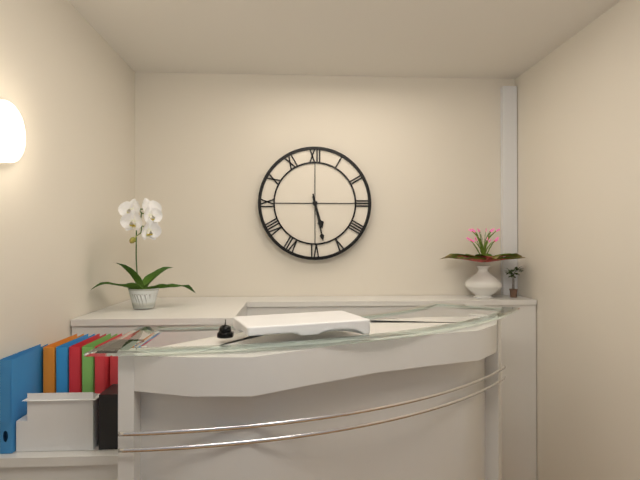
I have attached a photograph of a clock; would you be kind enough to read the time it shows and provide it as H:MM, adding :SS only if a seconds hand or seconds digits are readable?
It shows 5:28
